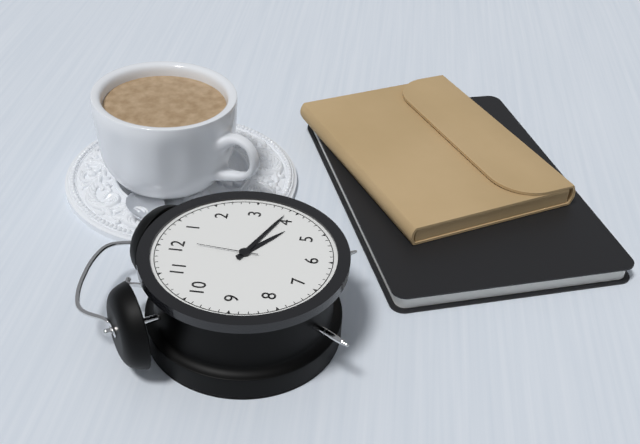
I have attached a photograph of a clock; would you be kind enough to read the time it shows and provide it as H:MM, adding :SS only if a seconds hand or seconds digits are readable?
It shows 4:19:01
